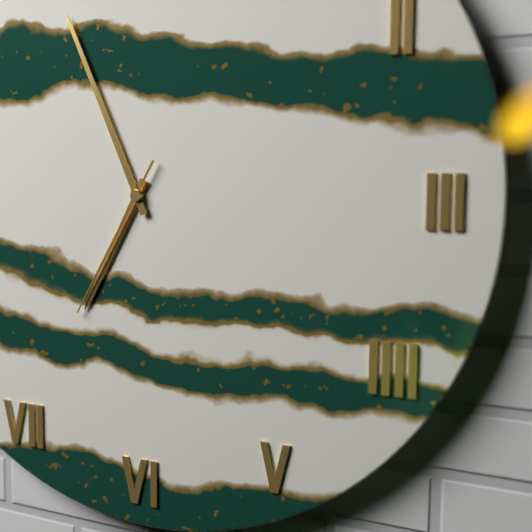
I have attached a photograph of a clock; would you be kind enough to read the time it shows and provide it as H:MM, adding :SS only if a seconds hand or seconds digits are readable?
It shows 6:56:35
